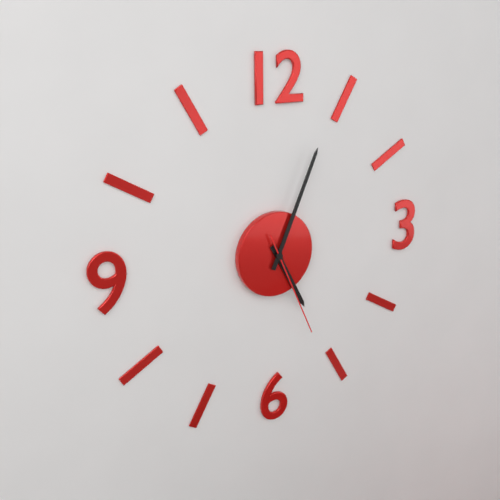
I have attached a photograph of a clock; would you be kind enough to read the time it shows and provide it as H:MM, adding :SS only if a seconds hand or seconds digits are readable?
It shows 5:04:26
